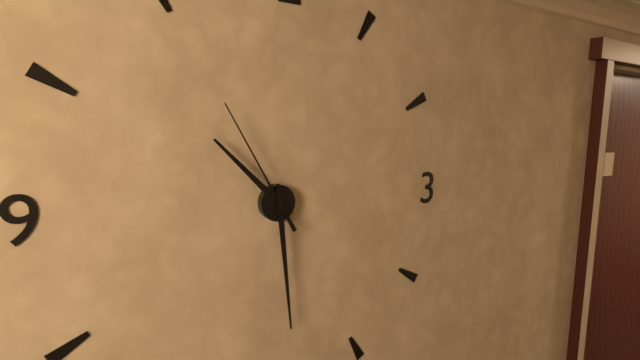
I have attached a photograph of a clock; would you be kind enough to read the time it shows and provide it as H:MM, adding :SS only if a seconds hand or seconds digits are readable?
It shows 10:29:55
